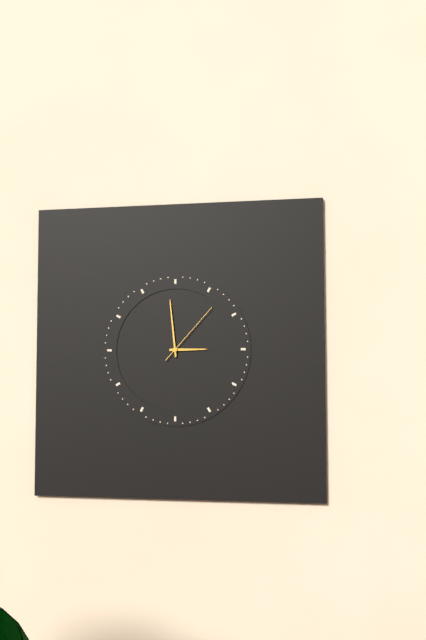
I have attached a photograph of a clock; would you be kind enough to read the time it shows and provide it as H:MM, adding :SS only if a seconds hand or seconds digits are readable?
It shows 2:59:07
